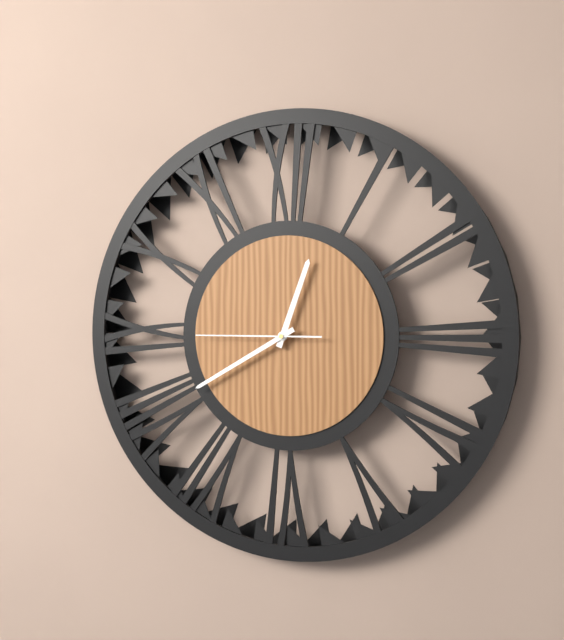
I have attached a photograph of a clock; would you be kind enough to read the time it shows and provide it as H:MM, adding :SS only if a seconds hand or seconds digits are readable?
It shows 12:40:45
